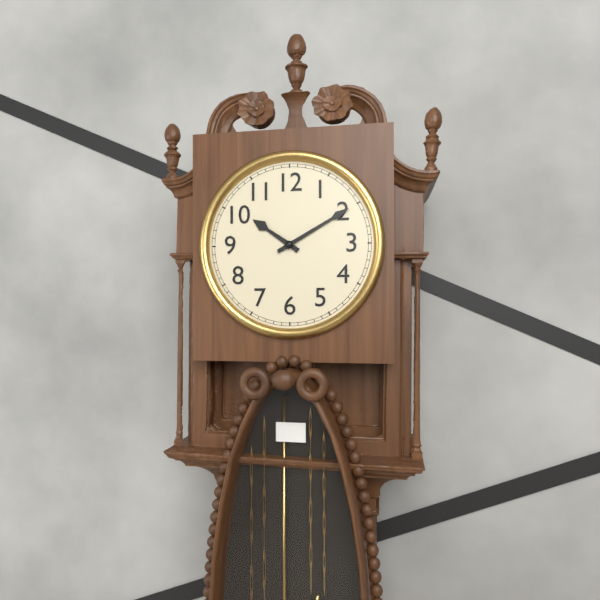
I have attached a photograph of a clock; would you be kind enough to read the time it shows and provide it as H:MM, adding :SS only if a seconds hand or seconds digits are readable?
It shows 10:10
